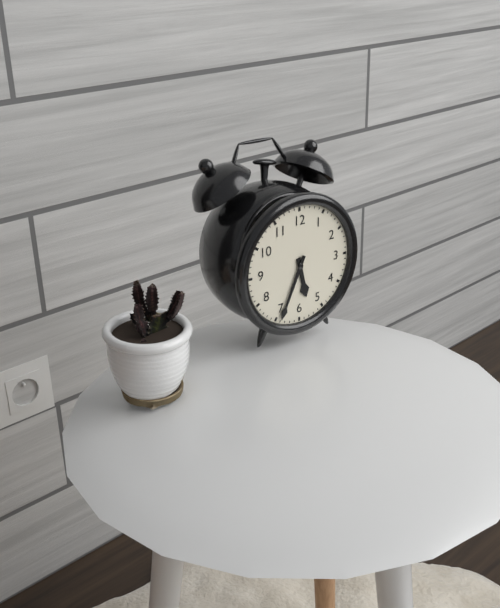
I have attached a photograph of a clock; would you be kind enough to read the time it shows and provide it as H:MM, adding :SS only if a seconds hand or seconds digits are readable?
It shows 5:34
